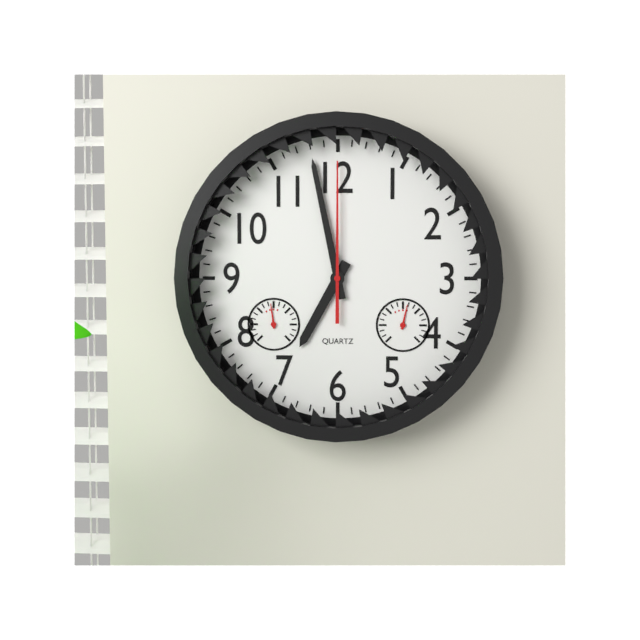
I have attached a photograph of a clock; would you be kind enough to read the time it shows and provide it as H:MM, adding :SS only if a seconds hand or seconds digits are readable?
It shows 6:58:00
